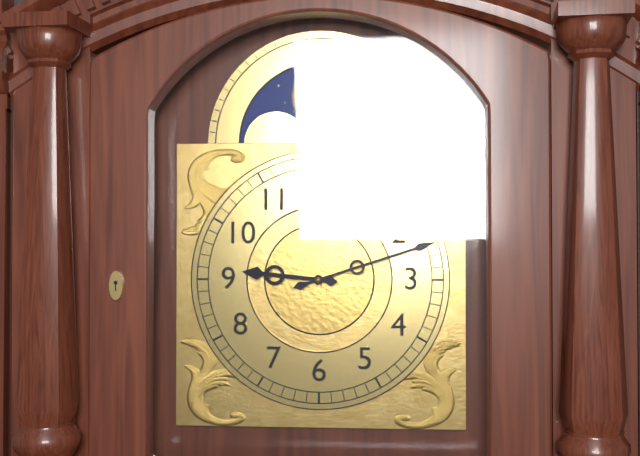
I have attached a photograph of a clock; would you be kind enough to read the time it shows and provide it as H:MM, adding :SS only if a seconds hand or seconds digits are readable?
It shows 9:12
